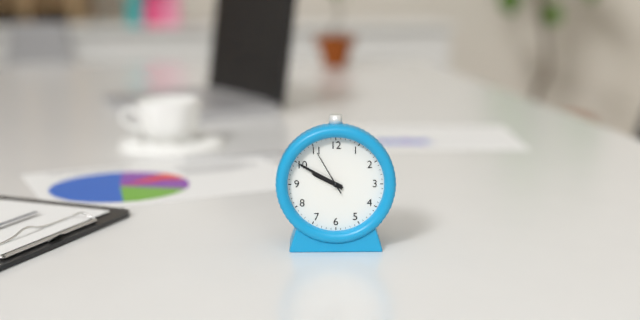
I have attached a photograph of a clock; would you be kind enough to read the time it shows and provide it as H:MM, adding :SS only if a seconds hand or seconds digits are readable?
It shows 9:50
